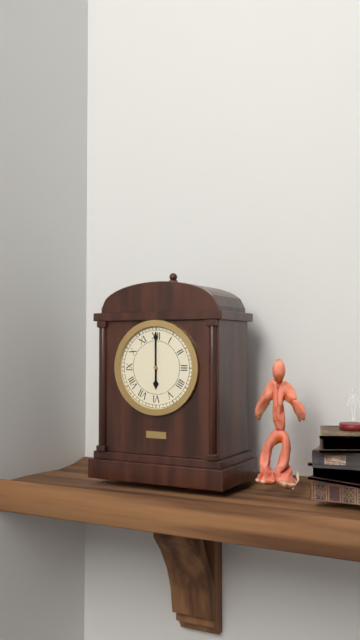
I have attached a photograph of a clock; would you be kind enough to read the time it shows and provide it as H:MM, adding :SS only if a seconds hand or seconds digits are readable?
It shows 6:00
